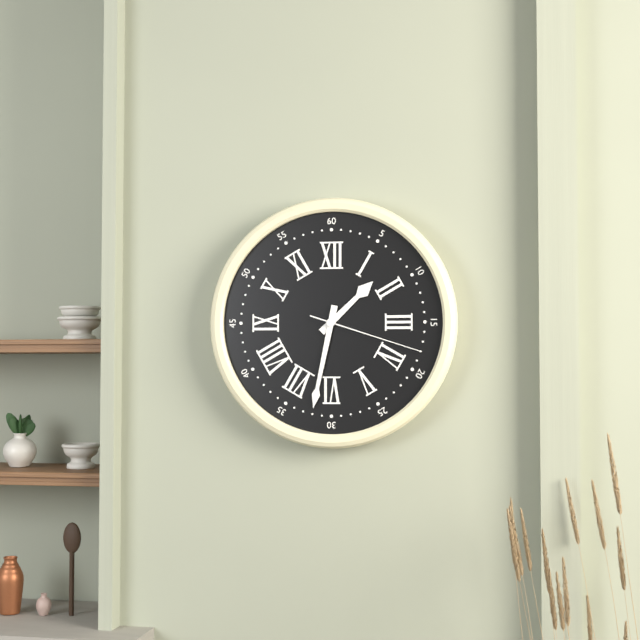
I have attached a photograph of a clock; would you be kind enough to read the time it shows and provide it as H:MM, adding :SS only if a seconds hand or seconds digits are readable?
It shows 1:32:18
